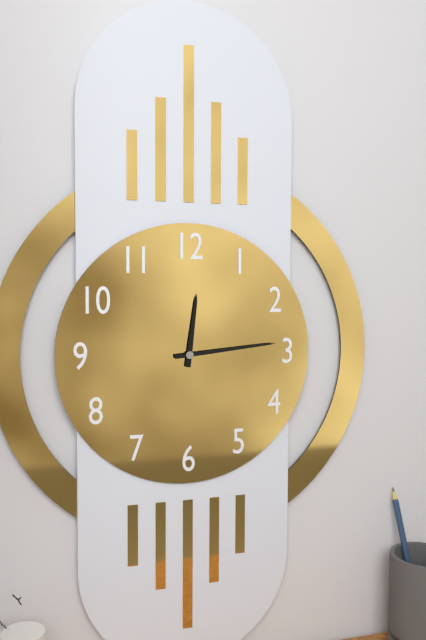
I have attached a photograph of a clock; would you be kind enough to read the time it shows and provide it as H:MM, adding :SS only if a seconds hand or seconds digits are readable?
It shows 12:14
